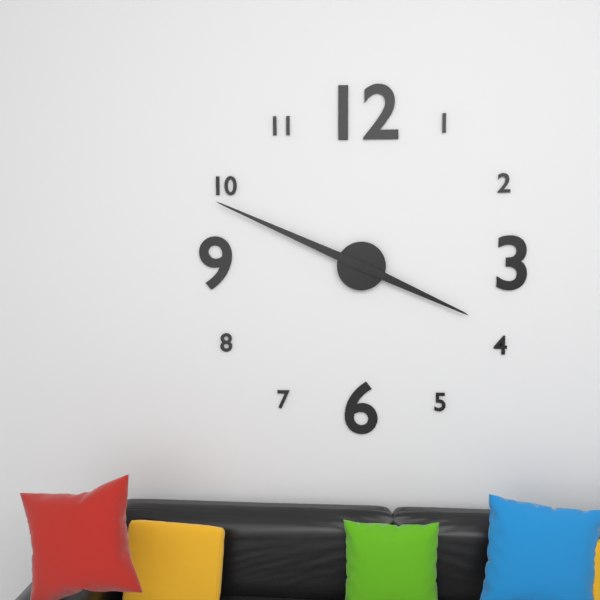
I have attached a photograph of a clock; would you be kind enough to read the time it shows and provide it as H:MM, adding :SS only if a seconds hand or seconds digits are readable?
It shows 3:49
